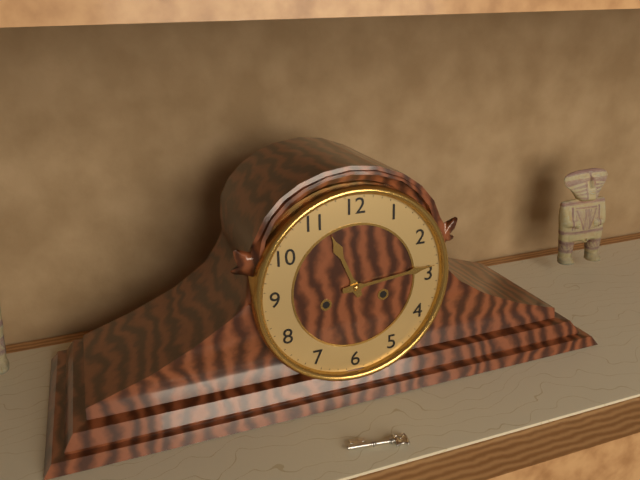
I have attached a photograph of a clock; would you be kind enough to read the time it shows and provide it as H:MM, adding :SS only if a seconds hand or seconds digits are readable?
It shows 11:14
